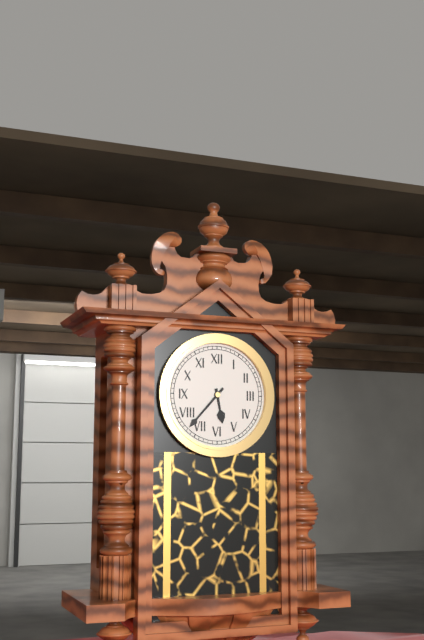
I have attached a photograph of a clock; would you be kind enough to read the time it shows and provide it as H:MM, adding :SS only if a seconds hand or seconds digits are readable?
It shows 5:37
